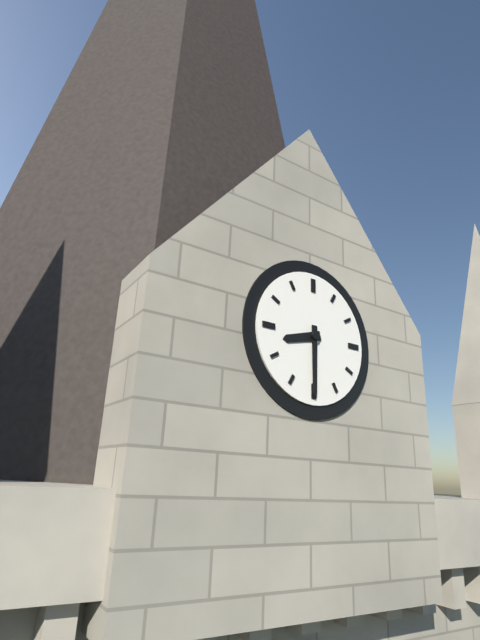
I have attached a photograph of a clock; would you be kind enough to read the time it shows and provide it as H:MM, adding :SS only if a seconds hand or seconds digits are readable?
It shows 8:30
